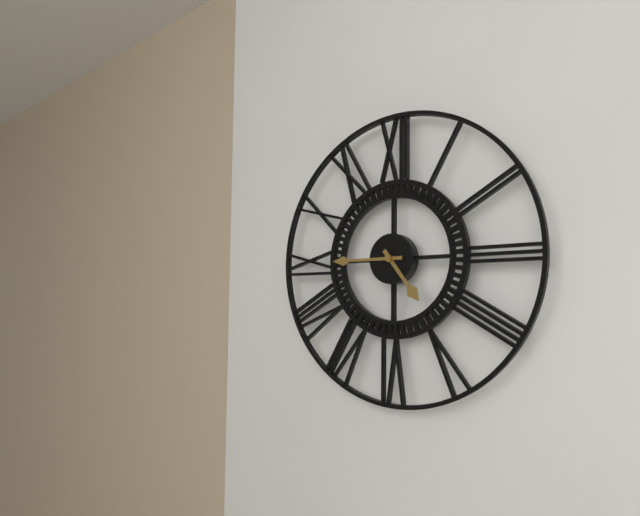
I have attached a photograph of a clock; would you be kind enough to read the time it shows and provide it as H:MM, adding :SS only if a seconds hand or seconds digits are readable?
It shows 4:45
